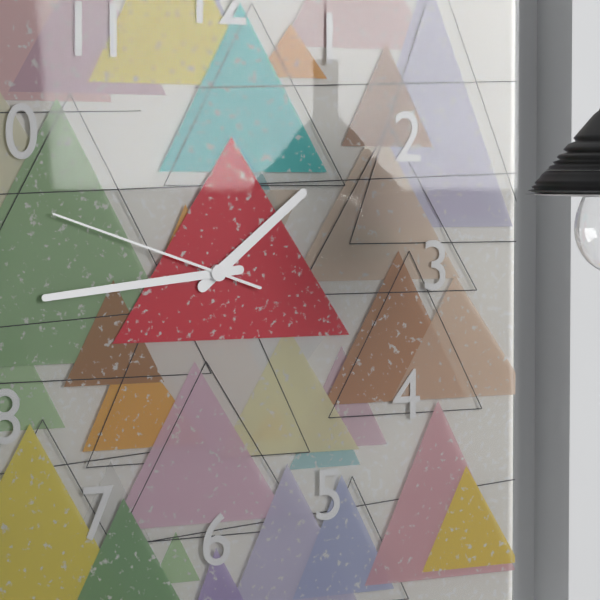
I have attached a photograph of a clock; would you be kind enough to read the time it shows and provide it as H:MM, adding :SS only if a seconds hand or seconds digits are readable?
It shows 1:44:48
